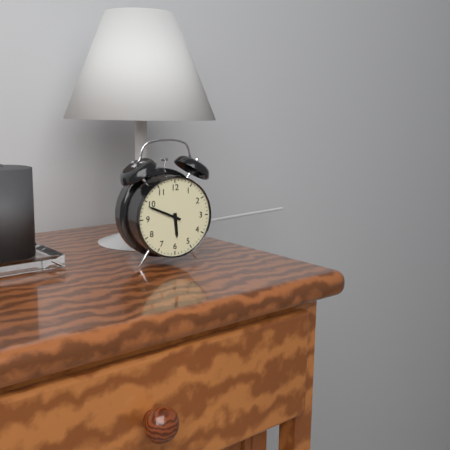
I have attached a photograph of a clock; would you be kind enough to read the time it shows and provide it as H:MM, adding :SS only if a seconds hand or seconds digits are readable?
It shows 5:49
